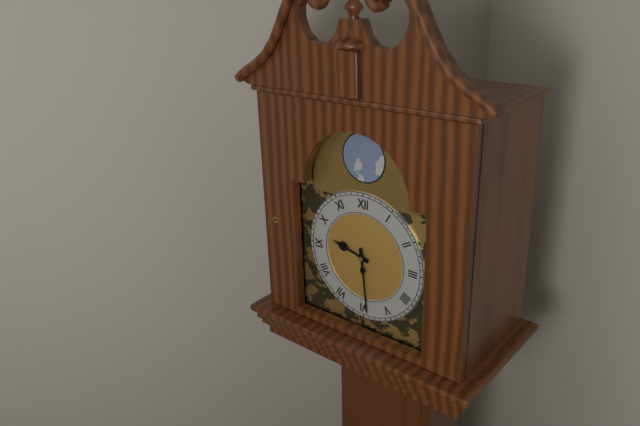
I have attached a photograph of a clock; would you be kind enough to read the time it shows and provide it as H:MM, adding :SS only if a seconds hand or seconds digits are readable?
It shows 9:29
